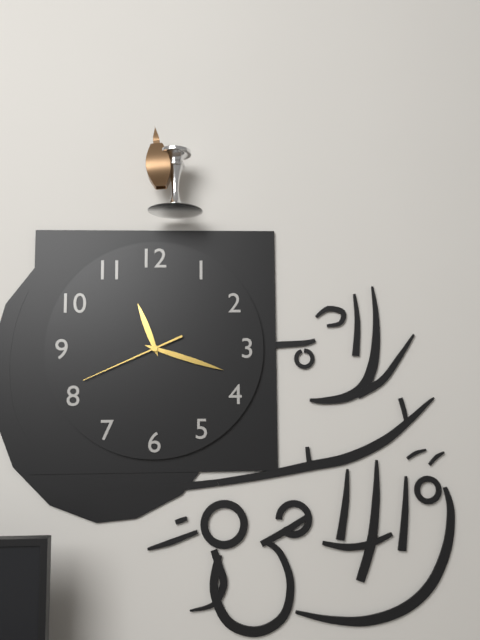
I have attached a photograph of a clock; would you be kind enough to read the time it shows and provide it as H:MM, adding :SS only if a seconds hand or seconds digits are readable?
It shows 11:18:41
